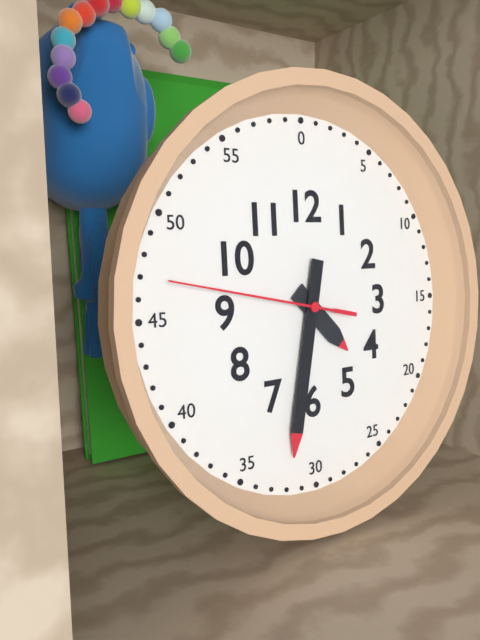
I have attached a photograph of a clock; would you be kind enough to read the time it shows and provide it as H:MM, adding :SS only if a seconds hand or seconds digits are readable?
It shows 4:32:47
